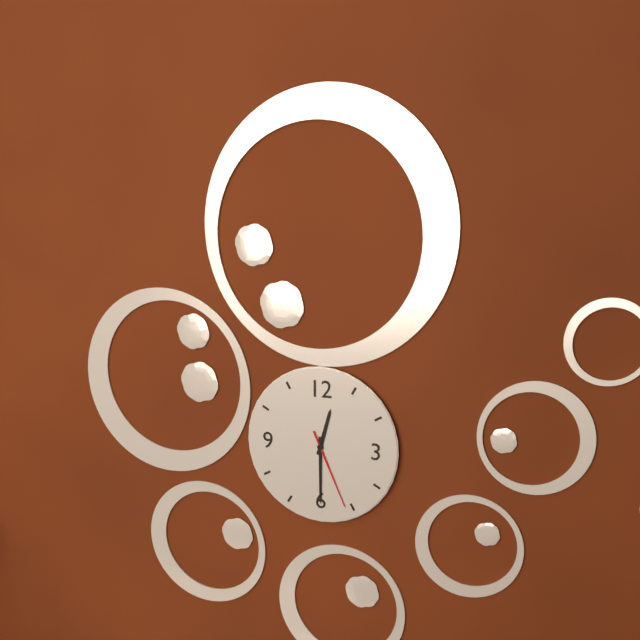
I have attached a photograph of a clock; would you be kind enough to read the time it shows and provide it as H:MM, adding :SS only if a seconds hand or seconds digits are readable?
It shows 12:30:26
